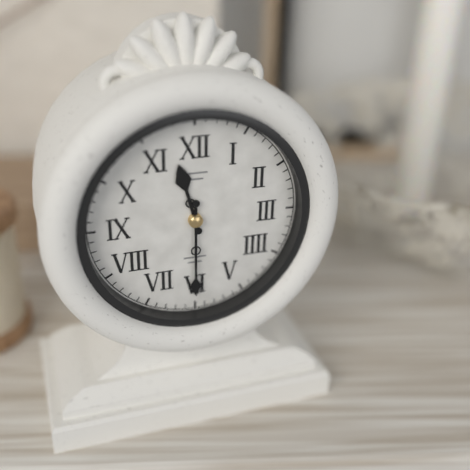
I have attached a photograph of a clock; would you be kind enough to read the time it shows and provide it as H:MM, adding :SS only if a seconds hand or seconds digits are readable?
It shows 11:30
